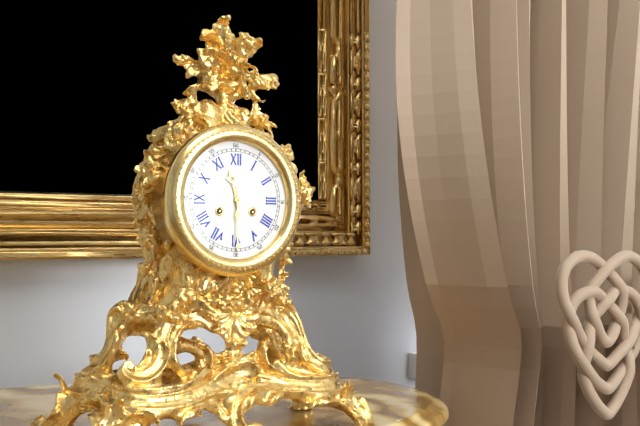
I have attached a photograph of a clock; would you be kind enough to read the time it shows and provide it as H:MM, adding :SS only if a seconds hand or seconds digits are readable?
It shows 11:30
